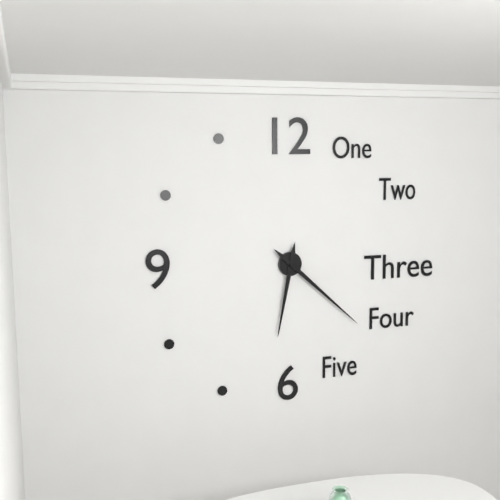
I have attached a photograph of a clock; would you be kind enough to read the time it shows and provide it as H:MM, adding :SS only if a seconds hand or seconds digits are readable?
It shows 6:22
